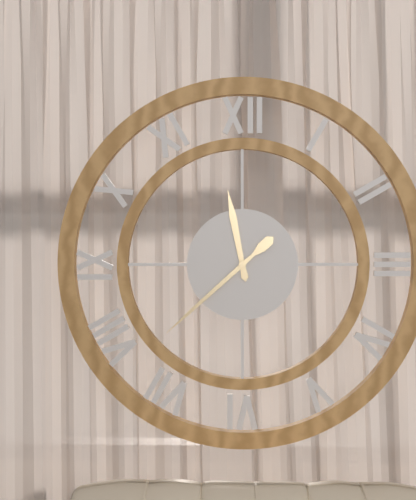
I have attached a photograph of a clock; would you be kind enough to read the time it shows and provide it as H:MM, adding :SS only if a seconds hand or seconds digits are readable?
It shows 11:38
